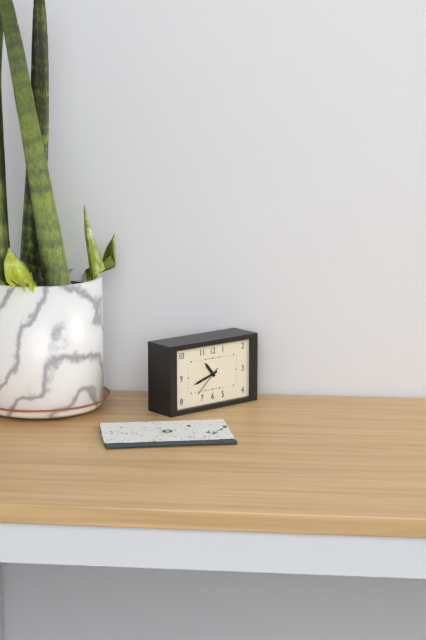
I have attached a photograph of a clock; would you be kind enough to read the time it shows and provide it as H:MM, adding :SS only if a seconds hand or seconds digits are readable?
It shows 10:42
